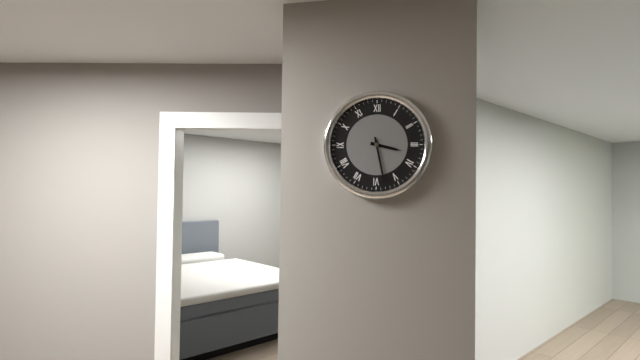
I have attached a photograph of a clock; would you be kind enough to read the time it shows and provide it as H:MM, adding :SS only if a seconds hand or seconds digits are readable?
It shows 3:28
